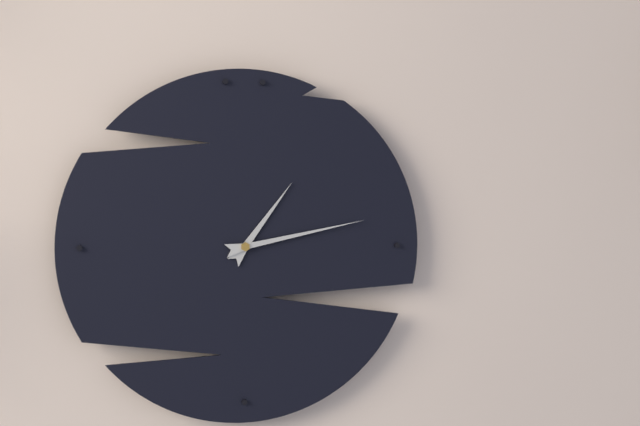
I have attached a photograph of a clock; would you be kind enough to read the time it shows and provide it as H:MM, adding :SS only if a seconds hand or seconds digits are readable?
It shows 1:13
